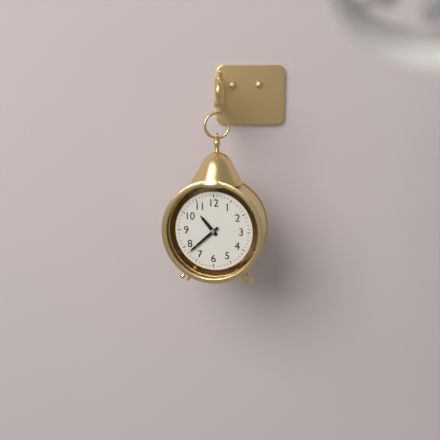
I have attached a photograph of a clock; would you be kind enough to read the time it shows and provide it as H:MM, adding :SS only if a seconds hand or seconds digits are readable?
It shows 10:38
